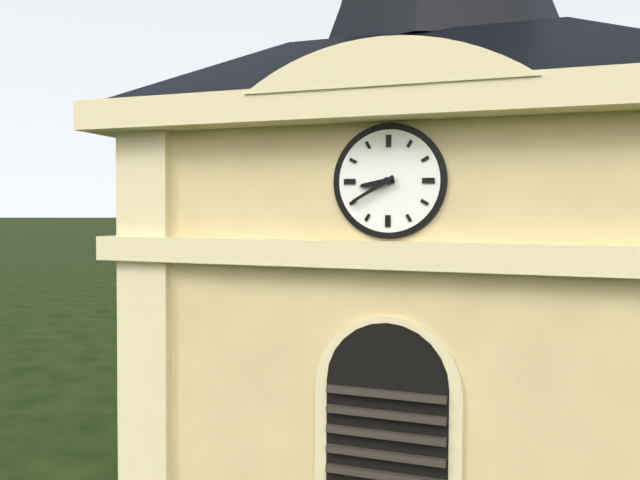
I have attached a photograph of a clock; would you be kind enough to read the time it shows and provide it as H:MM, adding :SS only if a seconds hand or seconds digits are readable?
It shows 8:40
